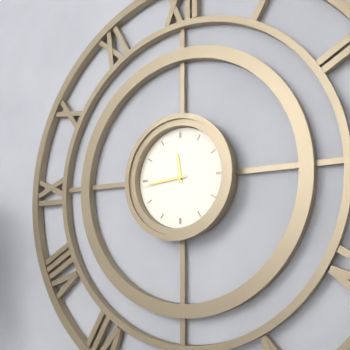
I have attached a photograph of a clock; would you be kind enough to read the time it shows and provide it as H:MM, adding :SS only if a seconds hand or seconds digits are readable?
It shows 11:44
